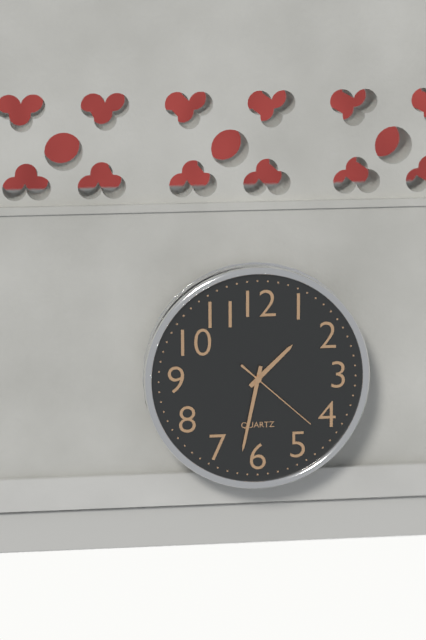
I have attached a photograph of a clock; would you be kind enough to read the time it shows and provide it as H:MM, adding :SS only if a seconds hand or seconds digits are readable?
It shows 1:32:22
